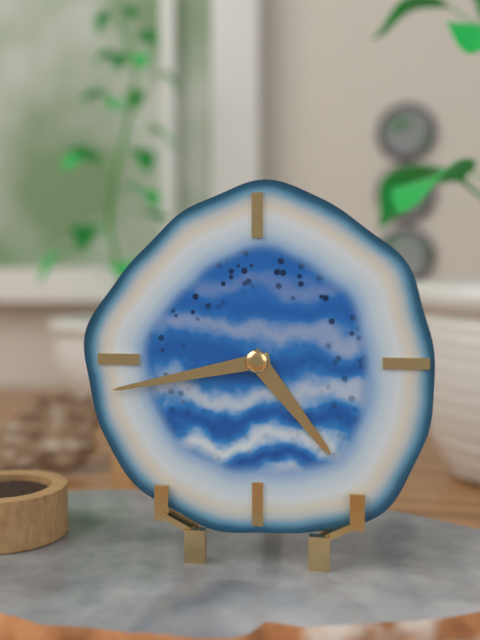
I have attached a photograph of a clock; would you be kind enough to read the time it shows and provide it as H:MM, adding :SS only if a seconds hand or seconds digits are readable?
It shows 4:43
